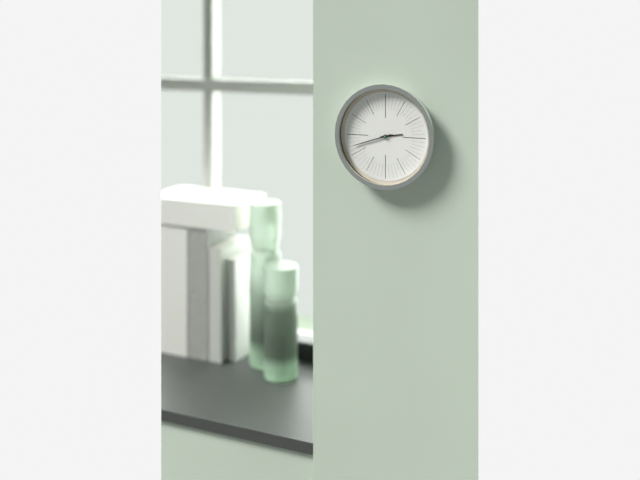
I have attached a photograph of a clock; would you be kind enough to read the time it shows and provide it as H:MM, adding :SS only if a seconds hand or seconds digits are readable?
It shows 2:42
